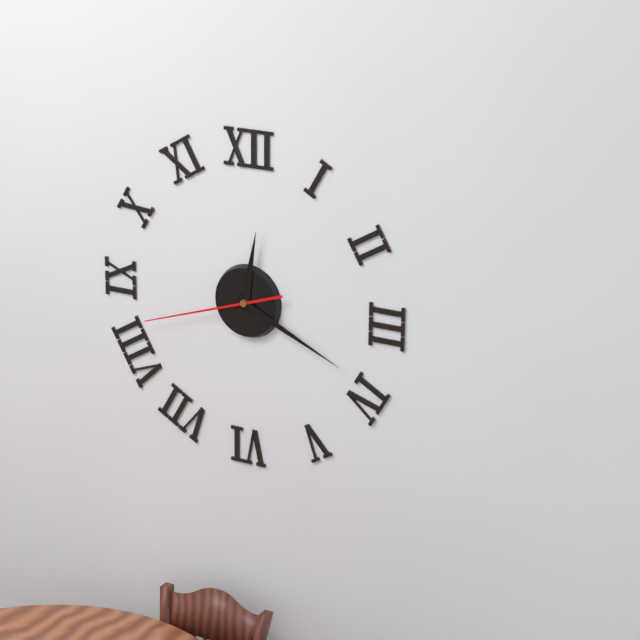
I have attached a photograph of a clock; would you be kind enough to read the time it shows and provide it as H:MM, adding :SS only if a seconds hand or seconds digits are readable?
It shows 12:19:42
